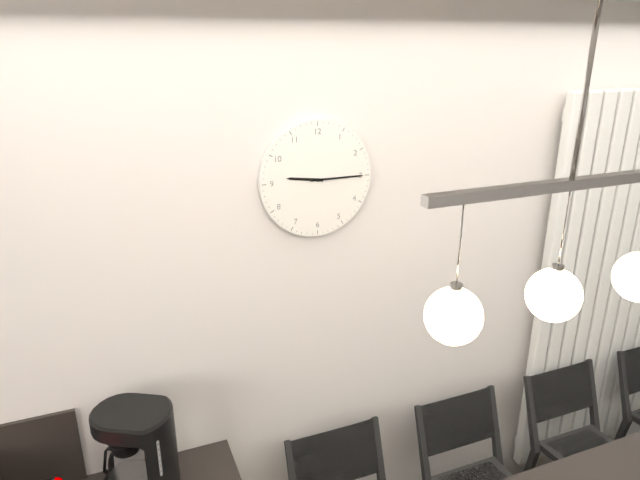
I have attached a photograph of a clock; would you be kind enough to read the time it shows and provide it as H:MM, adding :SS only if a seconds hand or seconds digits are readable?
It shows 9:15
